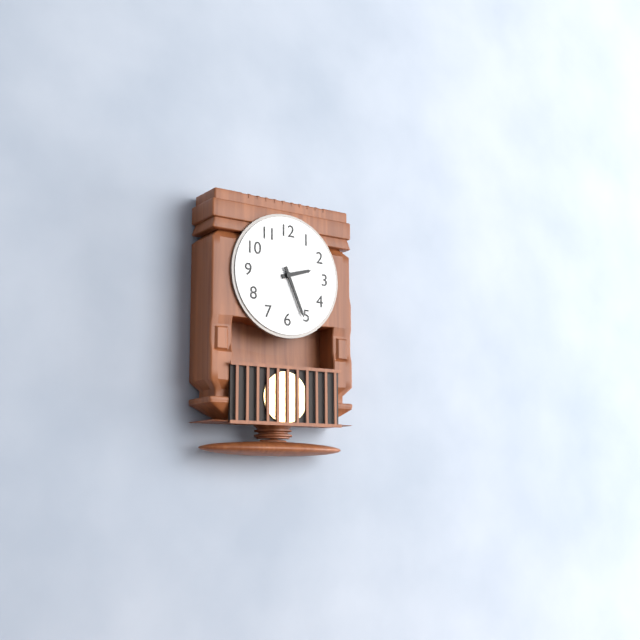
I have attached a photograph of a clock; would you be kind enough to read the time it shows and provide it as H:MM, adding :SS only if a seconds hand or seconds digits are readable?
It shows 2:26
